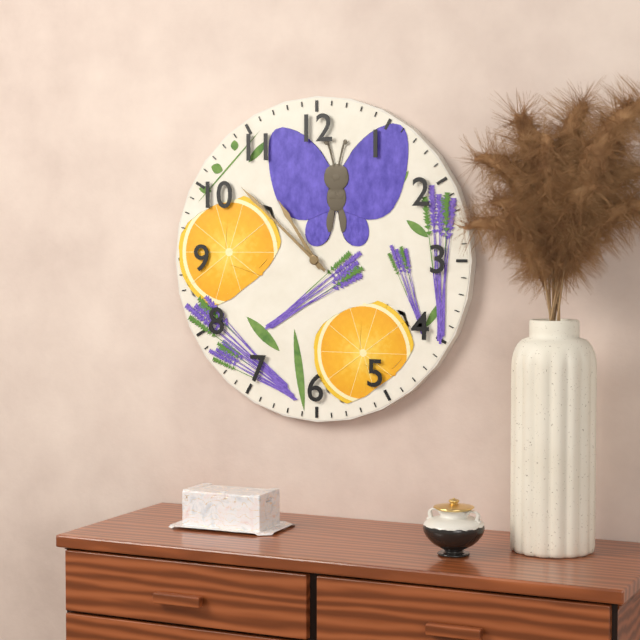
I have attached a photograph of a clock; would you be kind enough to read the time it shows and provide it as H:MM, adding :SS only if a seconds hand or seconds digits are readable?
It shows 10:52
